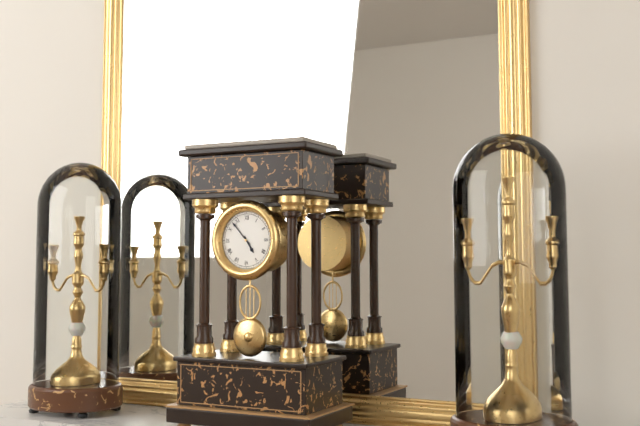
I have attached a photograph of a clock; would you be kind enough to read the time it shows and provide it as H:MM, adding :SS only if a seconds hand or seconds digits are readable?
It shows 4:53
